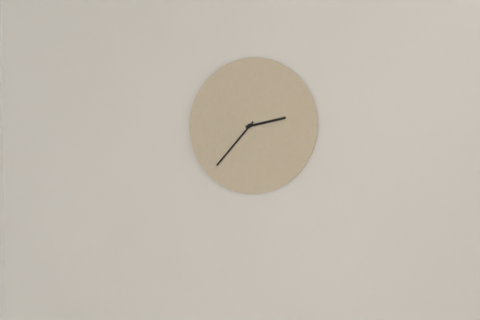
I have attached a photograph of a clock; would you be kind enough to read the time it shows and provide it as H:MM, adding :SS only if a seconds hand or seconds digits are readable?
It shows 2:37
